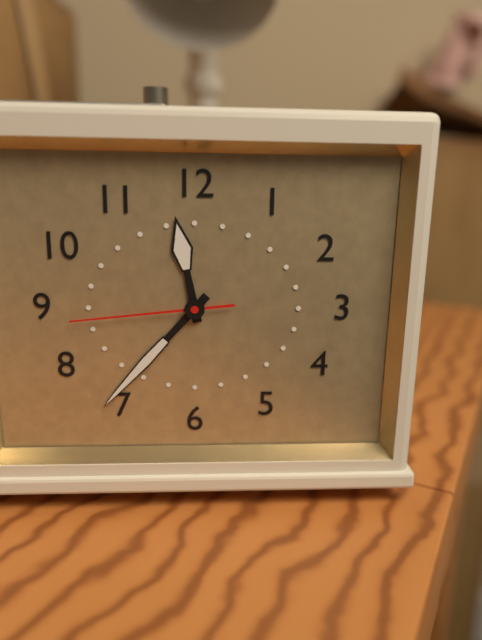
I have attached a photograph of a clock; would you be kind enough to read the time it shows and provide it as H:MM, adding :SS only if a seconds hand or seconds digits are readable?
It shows 11:37:44
